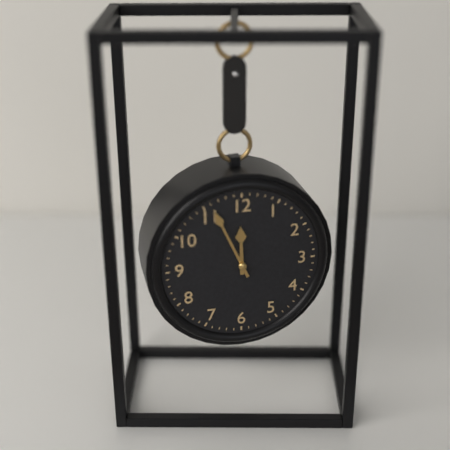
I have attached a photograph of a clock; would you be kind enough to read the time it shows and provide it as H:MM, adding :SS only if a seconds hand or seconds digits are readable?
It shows 11:56
